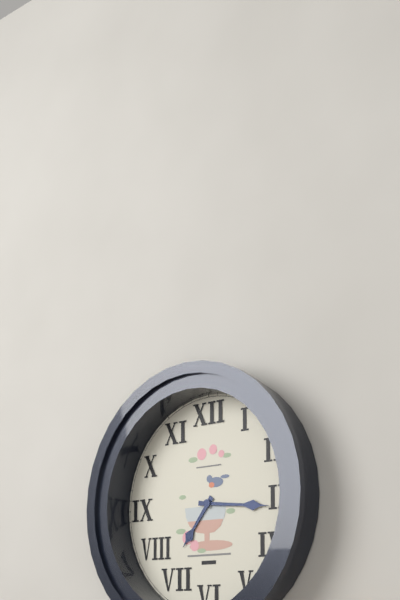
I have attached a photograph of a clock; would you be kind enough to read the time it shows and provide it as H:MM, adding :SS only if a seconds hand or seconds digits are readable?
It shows 7:16
